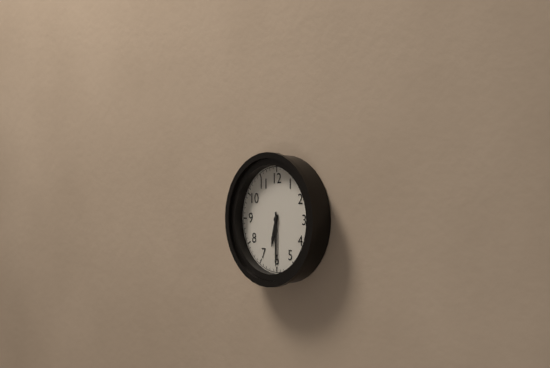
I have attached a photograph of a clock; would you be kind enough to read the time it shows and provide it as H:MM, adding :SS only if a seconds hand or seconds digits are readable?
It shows 6:30
